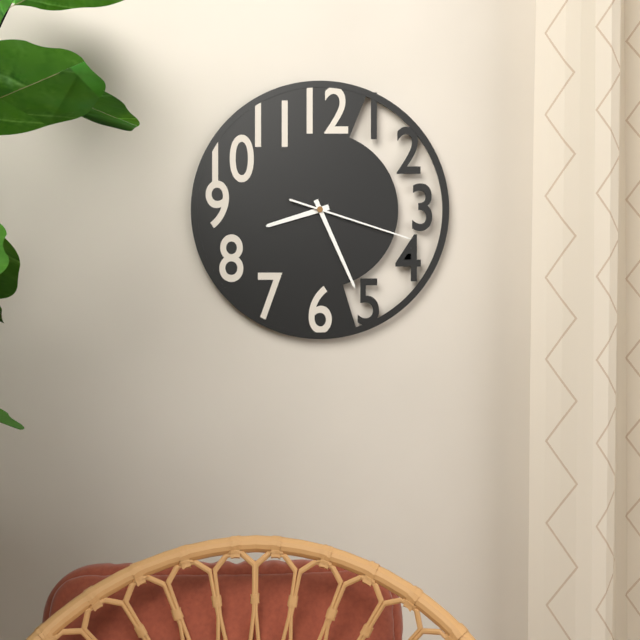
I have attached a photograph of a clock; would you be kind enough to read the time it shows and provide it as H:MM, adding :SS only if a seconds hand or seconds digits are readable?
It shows 8:26:18
